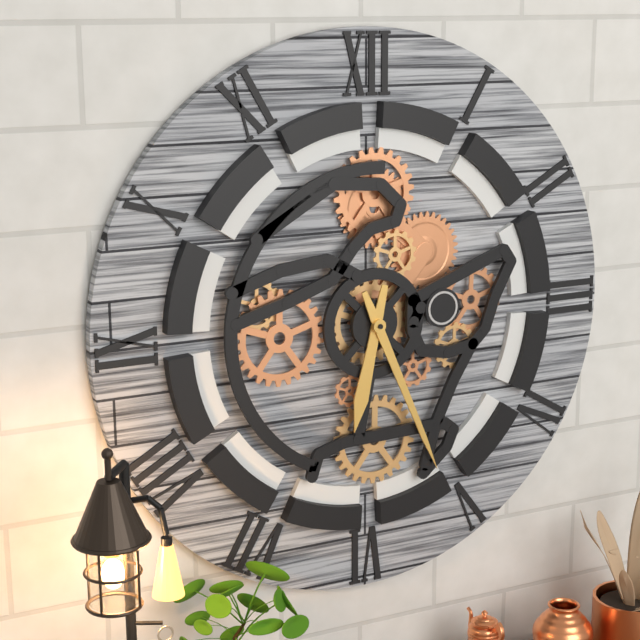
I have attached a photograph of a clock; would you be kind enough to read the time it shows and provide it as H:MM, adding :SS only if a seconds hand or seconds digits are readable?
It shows 6:26
